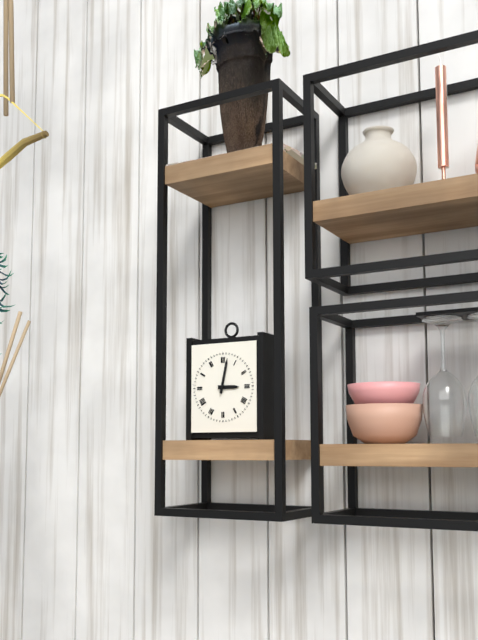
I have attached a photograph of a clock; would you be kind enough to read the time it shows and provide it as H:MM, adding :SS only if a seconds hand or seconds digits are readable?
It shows 3:02
